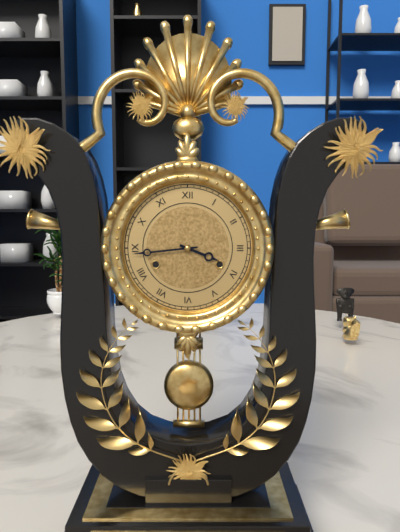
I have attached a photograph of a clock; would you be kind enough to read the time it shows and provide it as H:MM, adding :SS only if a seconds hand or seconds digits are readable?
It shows 3:44
